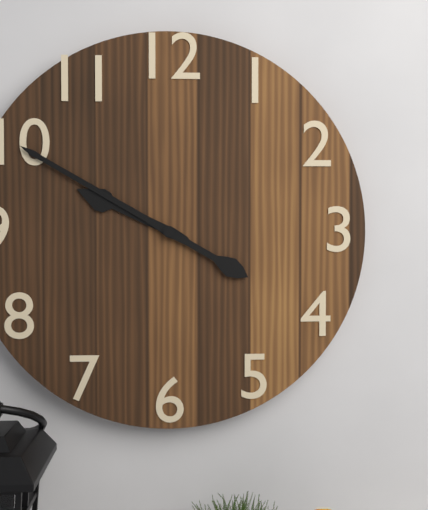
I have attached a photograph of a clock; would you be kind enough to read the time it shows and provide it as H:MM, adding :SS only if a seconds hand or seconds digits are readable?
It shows 9:50
